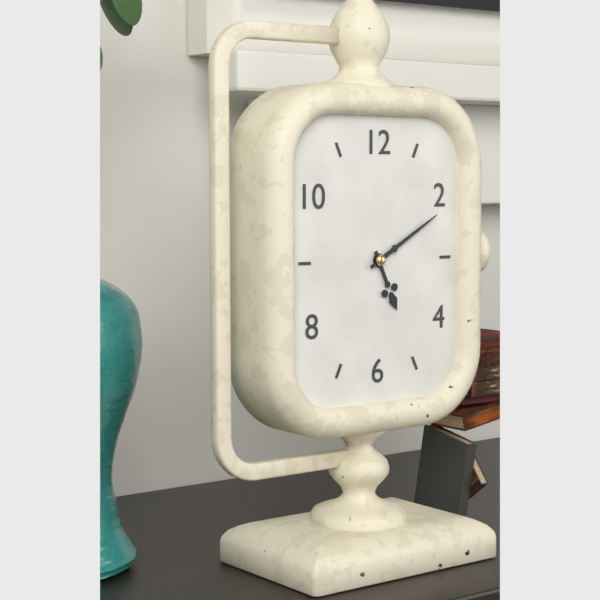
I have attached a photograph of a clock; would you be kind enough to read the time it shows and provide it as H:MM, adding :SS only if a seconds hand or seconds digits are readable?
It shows 5:10
